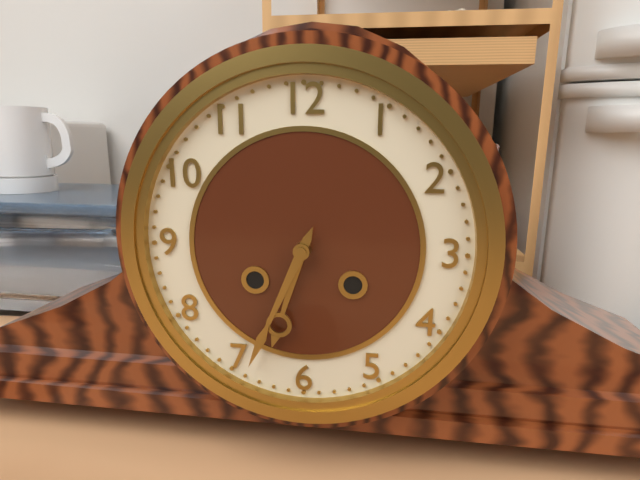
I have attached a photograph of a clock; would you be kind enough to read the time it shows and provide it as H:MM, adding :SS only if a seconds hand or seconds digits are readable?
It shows 6:34
